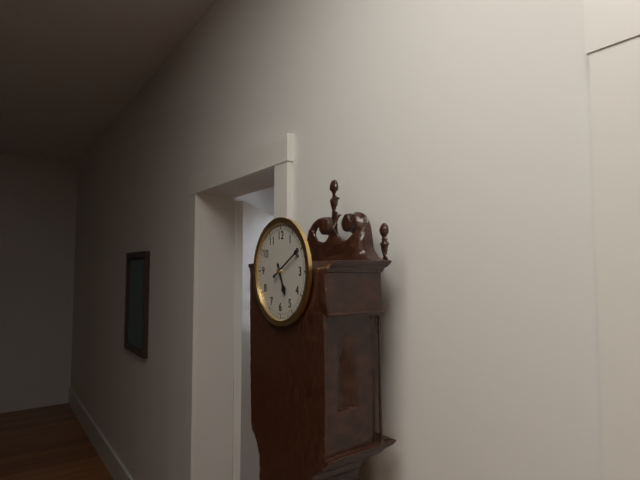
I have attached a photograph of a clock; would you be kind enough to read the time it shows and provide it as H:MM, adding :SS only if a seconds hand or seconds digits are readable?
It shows 5:10
